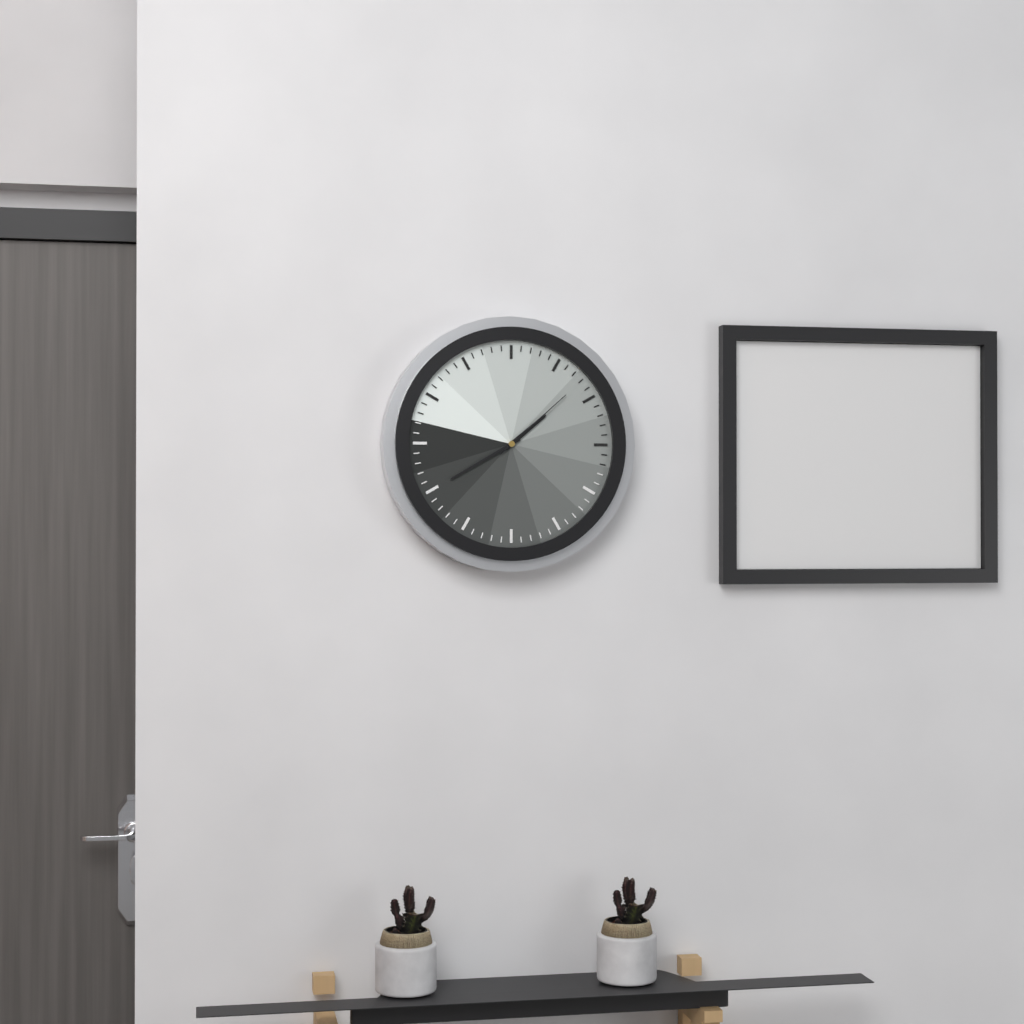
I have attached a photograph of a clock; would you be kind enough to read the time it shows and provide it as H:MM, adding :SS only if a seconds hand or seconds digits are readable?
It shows 1:40:08
